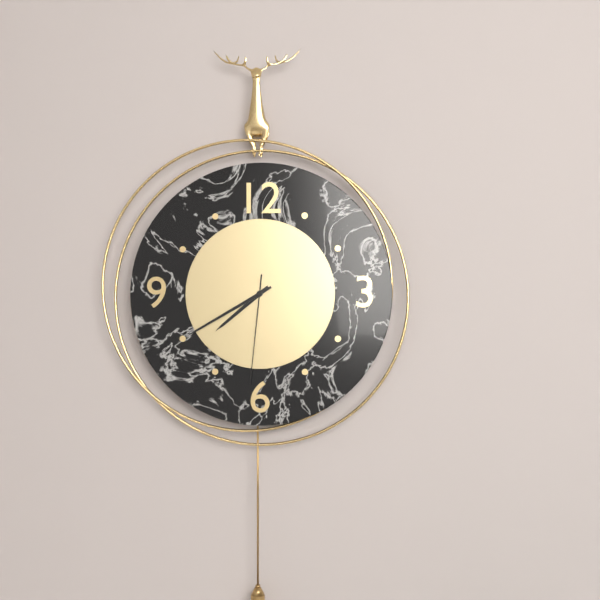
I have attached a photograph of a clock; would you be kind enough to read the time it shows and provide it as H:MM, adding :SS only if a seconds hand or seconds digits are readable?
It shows 7:40:31
